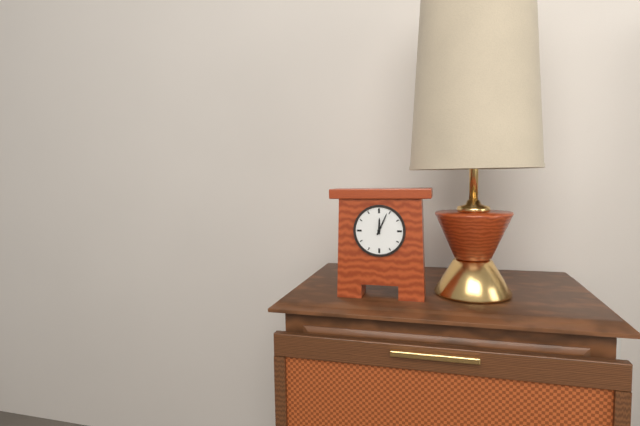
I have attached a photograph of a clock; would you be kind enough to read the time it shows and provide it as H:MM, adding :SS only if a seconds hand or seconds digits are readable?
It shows 12:04
